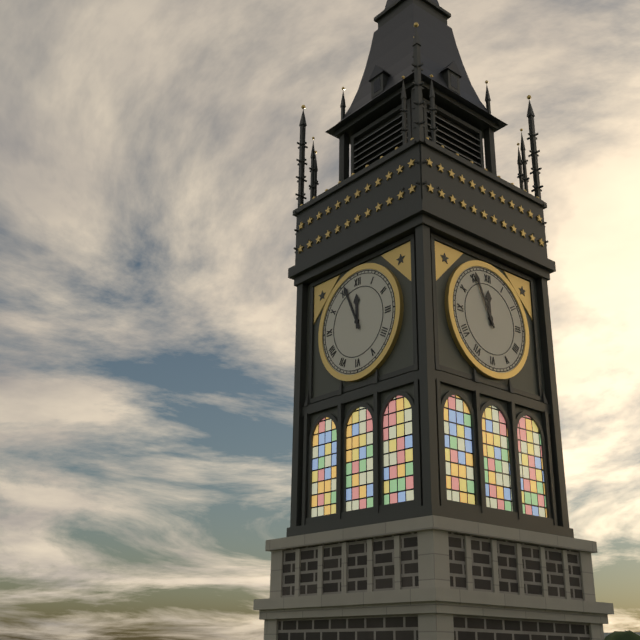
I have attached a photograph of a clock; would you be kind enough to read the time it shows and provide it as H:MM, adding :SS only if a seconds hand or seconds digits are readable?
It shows 11:56
